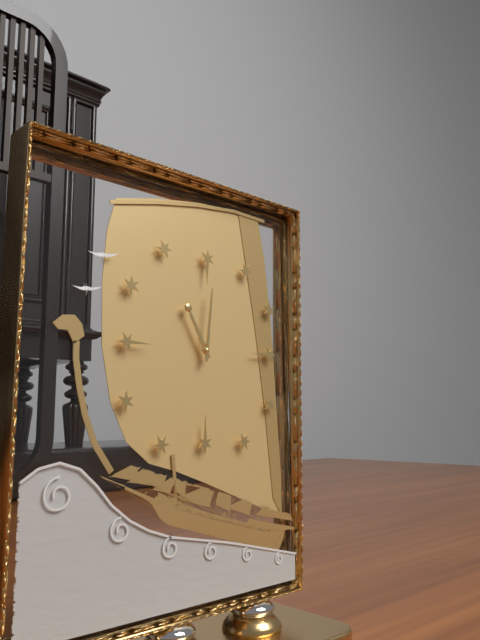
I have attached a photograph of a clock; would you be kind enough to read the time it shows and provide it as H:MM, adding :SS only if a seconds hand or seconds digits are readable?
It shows 11:01
